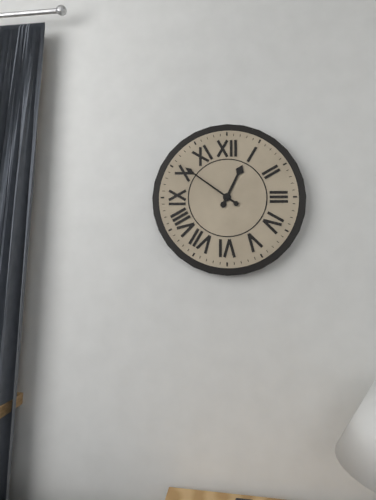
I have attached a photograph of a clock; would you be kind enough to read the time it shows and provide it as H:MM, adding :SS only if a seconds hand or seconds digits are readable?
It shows 12:51
